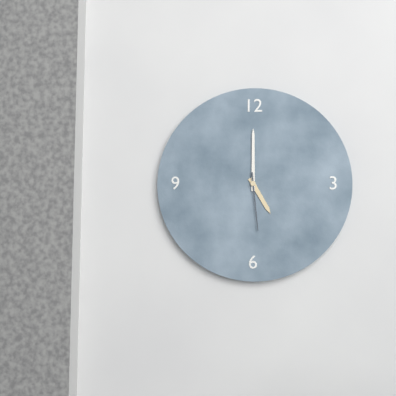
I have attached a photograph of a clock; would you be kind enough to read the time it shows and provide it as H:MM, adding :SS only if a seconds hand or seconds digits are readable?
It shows 5:00:29
